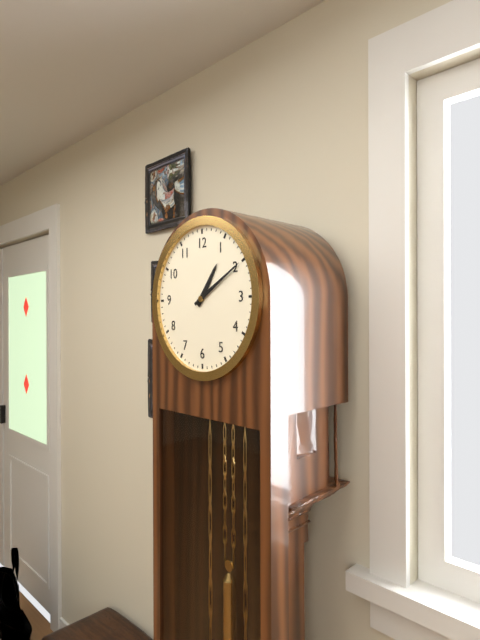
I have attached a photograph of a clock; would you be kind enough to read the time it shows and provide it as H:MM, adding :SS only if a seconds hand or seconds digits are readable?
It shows 1:10
